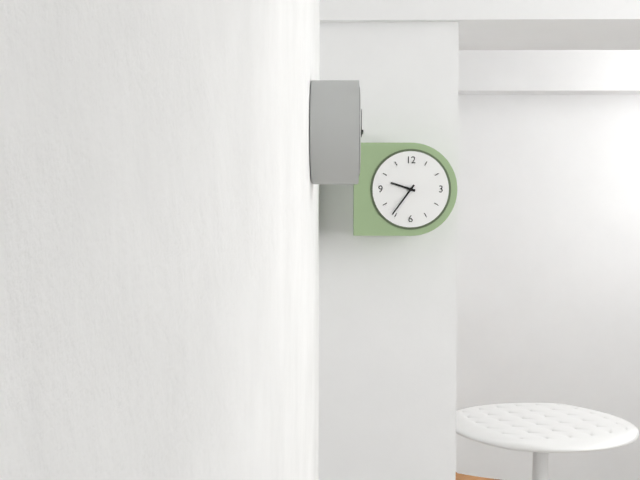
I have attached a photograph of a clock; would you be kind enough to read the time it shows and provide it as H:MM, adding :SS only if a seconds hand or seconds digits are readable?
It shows 9:36
